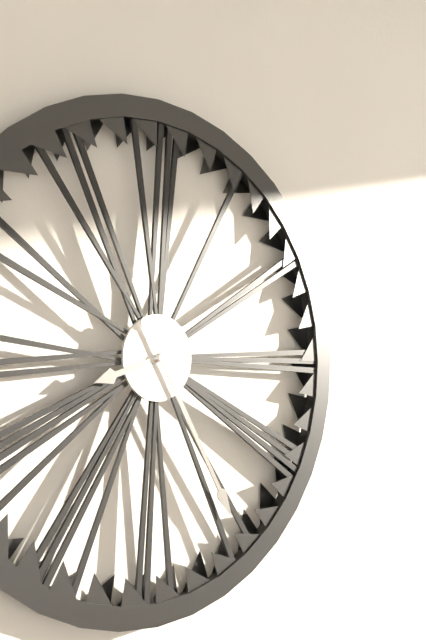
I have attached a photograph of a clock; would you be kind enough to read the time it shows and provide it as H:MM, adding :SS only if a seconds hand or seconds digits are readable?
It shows 8:25
